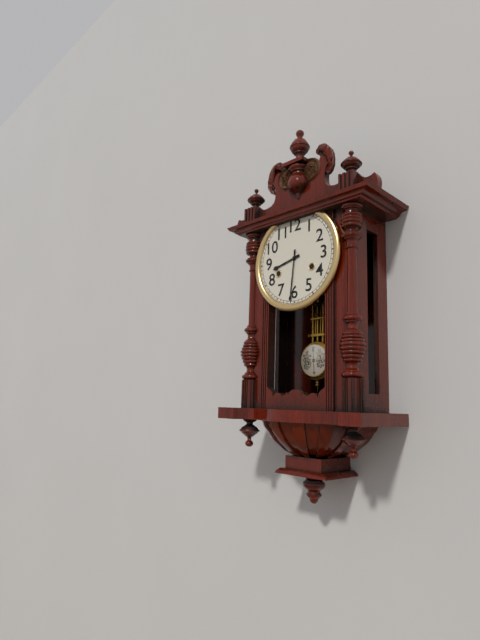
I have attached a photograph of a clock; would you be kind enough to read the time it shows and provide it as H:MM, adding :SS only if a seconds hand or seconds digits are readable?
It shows 8:31
